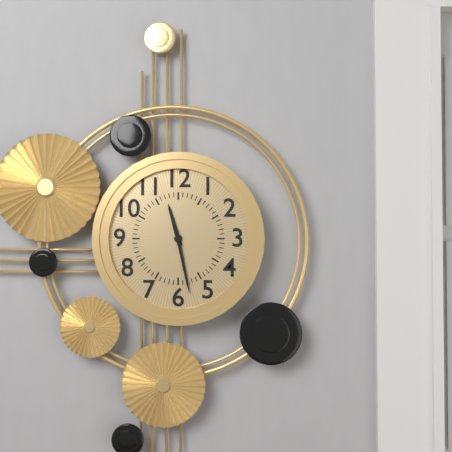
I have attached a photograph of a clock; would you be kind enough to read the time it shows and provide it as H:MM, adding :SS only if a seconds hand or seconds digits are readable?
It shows 11:28
